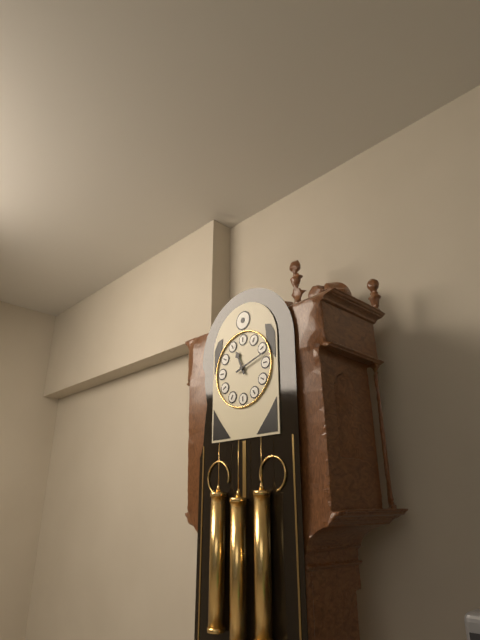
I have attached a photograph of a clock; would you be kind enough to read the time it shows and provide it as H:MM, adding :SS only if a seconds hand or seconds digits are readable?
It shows 11:12
